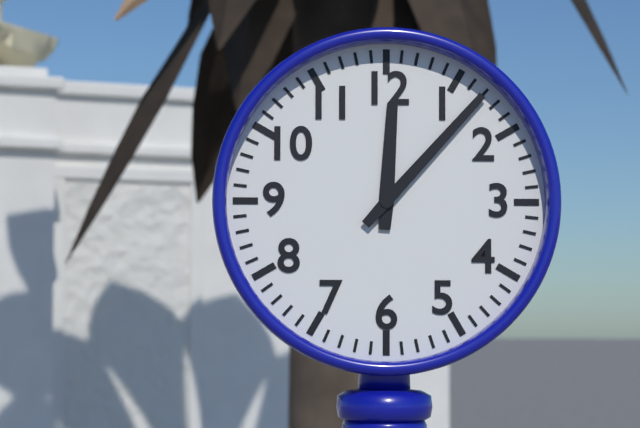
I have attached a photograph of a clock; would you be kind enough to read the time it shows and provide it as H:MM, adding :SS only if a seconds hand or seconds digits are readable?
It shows 12:07
